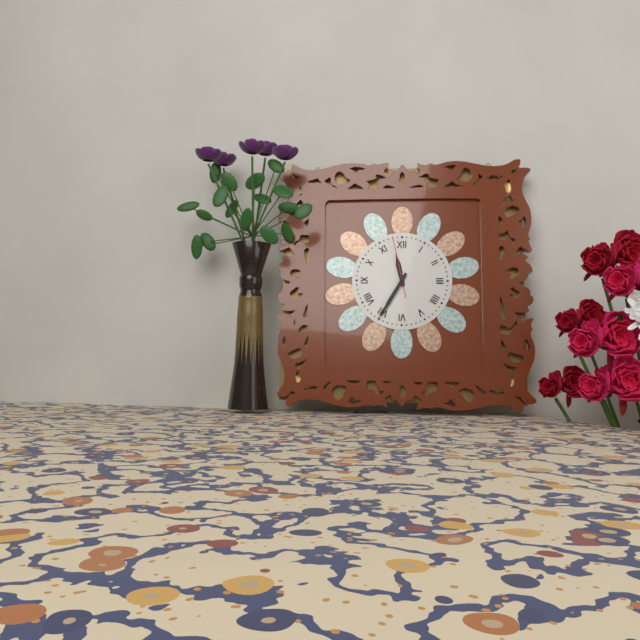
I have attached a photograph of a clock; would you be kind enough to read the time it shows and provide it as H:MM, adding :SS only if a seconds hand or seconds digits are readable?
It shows 11:35:58
